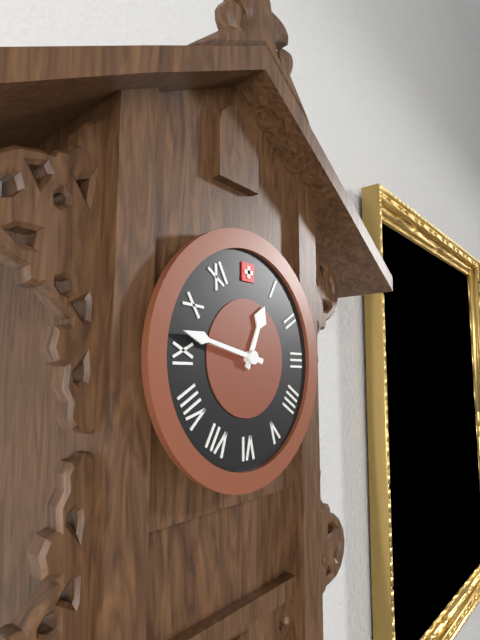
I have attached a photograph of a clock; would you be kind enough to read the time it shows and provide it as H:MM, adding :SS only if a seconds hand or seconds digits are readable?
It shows 12:47
